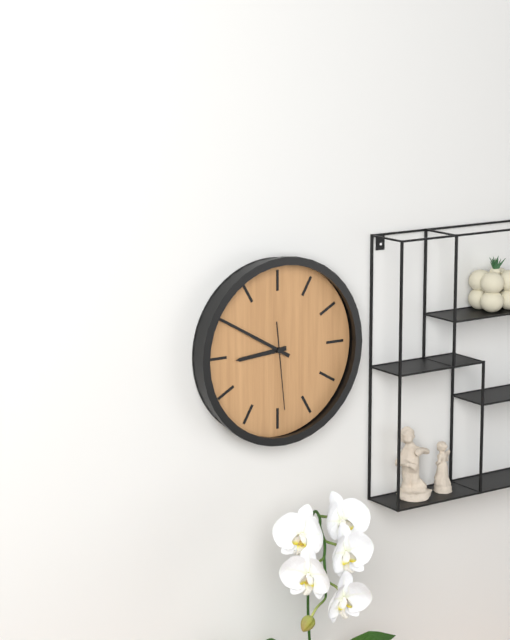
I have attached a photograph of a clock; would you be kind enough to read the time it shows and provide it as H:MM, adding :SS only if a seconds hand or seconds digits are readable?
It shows 8:50:29
